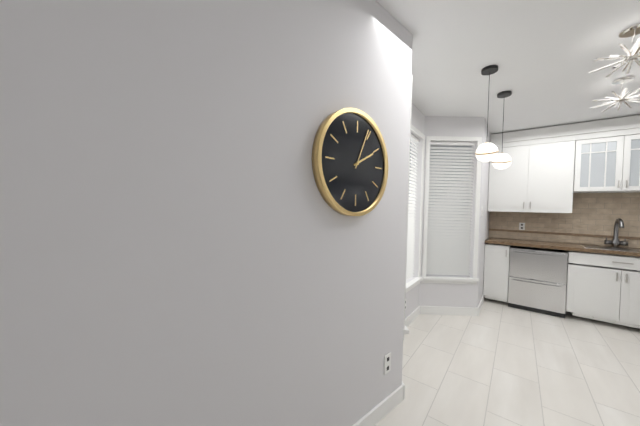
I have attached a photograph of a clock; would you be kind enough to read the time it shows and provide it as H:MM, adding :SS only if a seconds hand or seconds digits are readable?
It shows 2:04
